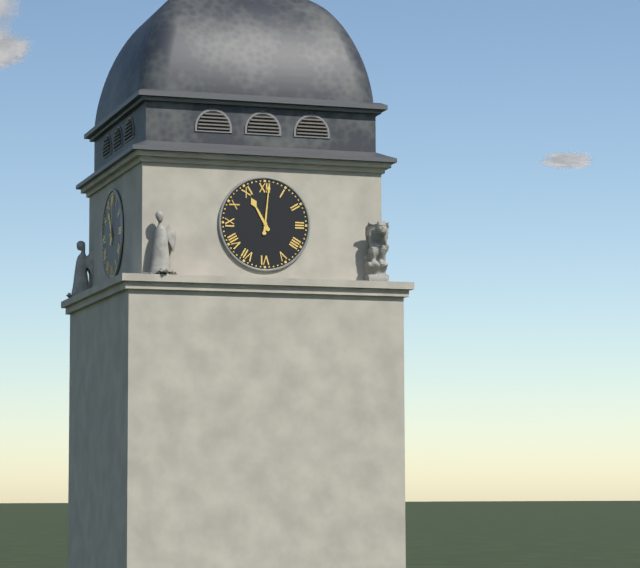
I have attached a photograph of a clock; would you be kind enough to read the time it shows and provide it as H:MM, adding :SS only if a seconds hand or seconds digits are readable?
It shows 11:01
